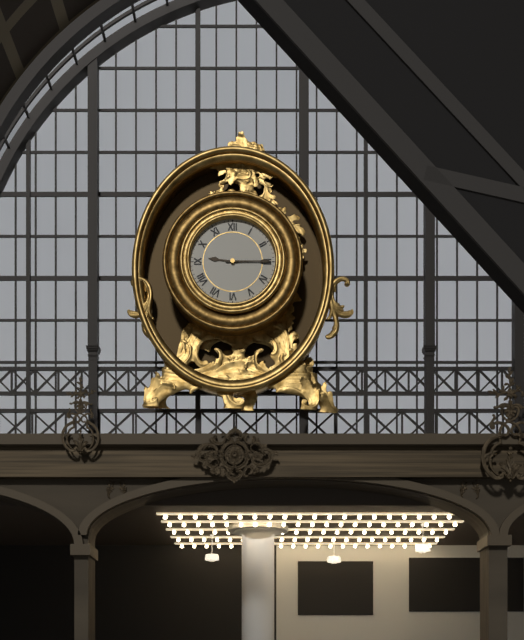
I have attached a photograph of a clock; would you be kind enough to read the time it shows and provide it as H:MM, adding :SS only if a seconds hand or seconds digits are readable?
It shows 9:15
